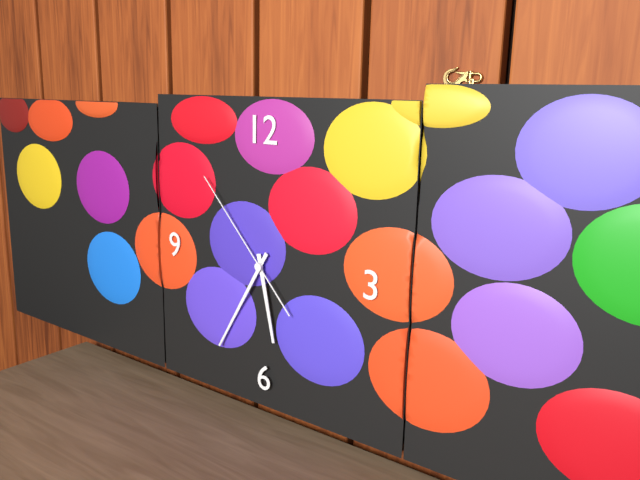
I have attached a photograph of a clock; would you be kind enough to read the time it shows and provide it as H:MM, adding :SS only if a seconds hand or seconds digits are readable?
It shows 5:35:53
